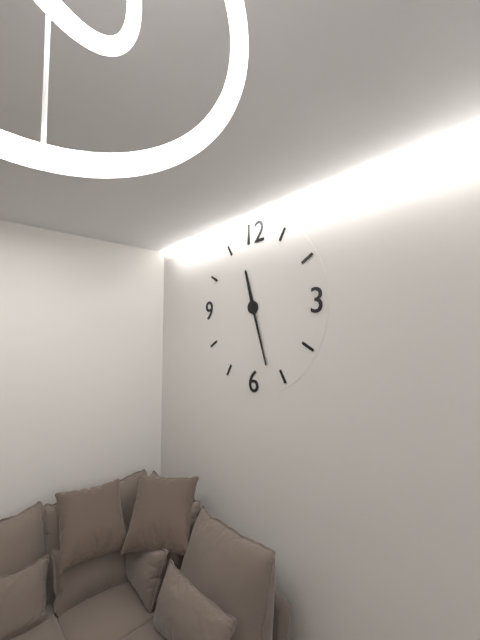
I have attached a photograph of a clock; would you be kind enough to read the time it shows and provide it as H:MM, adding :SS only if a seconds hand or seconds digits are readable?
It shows 11:27
